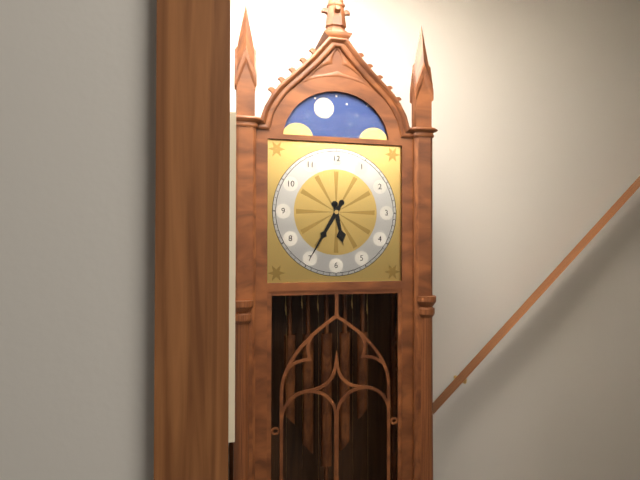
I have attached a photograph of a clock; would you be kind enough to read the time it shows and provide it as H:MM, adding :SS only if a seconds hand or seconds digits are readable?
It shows 5:35
